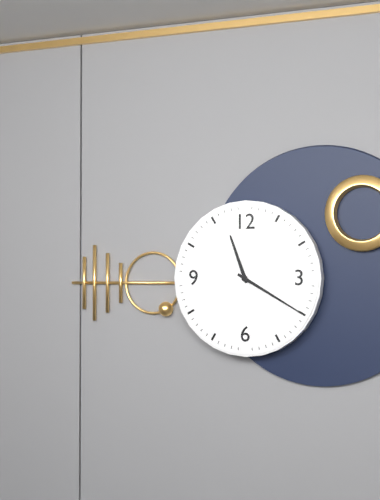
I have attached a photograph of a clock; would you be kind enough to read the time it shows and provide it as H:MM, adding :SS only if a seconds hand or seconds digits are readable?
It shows 11:20
